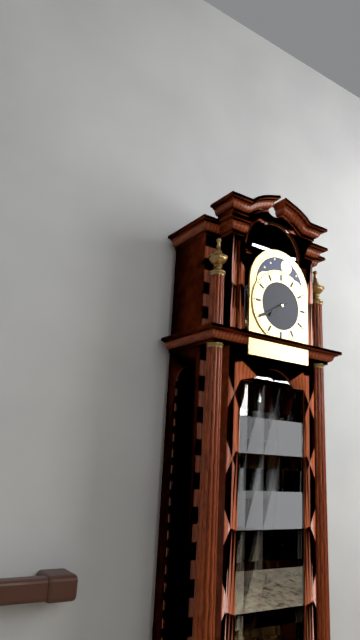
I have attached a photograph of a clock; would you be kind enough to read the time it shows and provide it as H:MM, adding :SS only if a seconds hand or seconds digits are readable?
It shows 7:40
